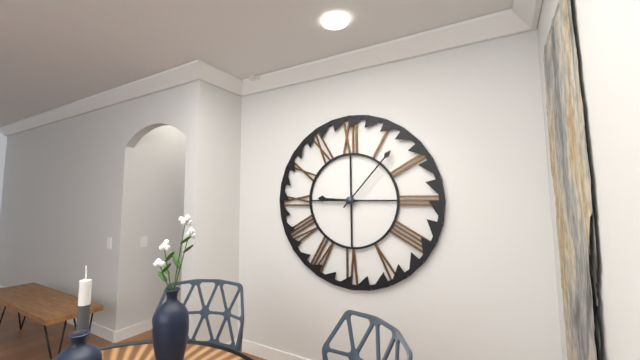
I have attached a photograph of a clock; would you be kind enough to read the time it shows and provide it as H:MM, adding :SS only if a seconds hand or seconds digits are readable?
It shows 9:07
